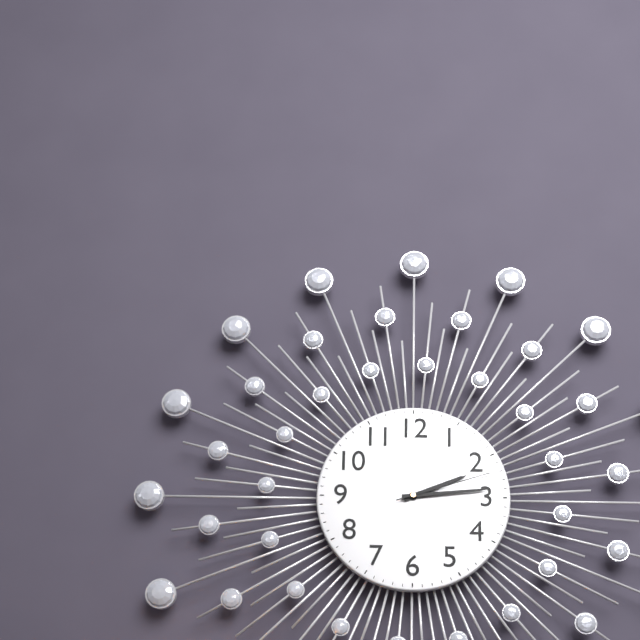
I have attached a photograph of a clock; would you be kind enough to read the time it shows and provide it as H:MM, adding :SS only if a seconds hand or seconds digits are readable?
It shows 2:14:12
